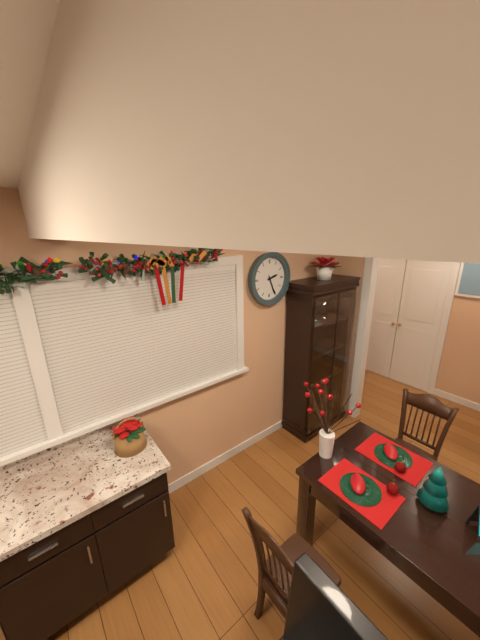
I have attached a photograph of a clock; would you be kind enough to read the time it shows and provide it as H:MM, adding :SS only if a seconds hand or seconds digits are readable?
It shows 2:26
